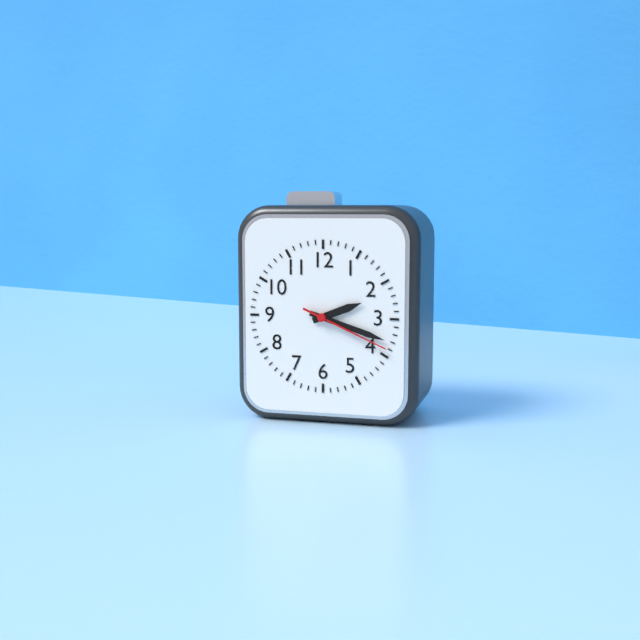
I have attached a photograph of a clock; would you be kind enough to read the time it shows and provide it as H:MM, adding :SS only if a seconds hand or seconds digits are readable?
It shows 2:18:19
